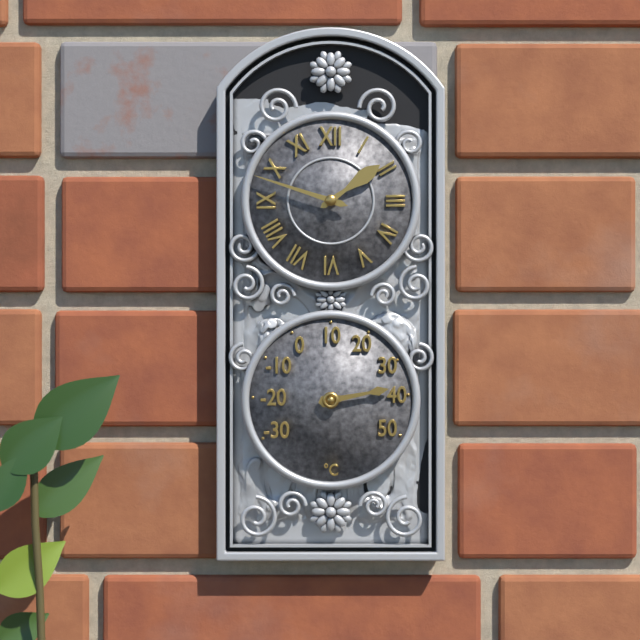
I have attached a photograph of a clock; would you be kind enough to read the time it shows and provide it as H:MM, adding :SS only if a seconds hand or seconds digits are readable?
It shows 1:48
